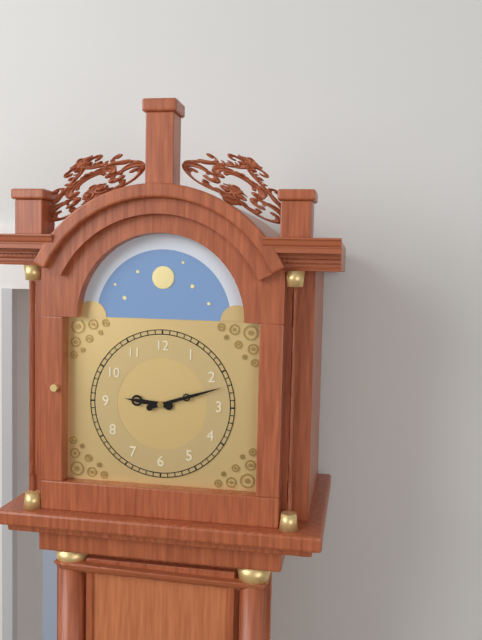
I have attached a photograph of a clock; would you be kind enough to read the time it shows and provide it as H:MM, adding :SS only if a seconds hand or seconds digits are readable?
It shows 9:12
